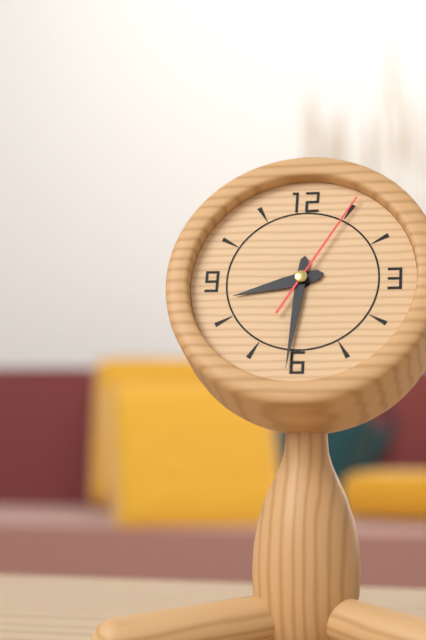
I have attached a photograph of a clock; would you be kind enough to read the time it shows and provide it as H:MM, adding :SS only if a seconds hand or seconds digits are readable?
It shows 8:31:05
